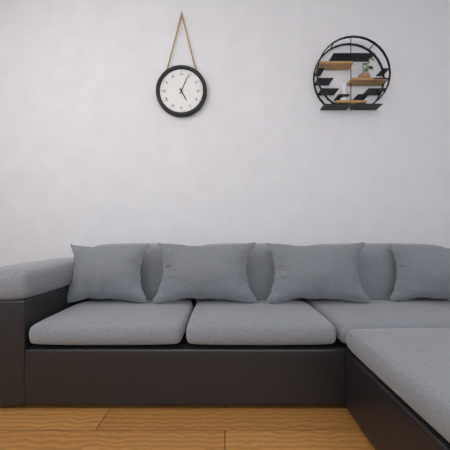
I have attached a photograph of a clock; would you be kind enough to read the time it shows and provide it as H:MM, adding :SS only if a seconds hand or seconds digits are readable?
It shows 5:04
